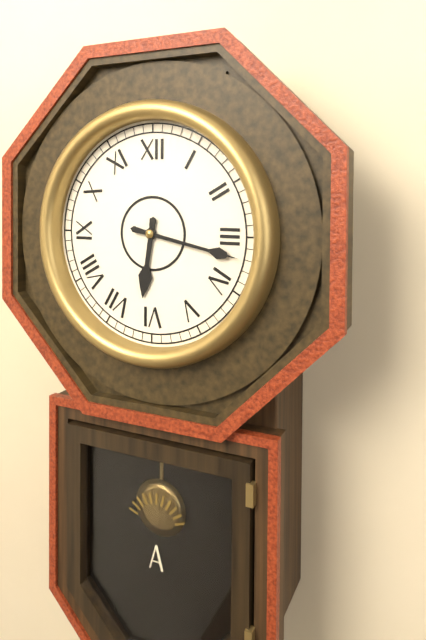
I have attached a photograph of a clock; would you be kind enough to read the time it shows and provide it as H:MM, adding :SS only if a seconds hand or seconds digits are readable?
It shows 6:17
